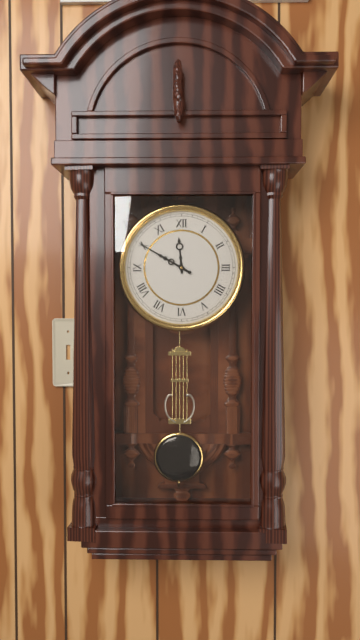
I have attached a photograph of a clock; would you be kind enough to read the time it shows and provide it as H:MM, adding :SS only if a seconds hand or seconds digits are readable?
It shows 11:50
